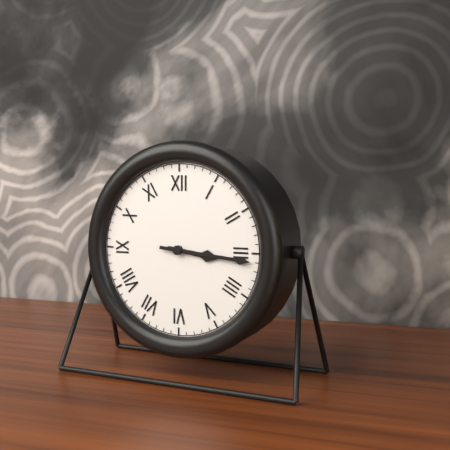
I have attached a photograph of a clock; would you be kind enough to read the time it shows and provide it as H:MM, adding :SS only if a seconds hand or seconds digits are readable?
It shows 3:16
